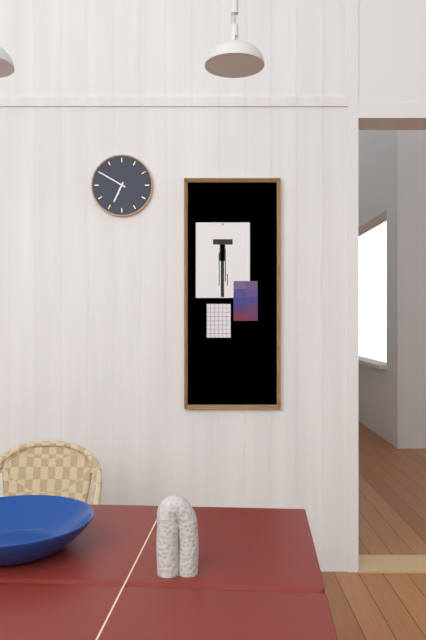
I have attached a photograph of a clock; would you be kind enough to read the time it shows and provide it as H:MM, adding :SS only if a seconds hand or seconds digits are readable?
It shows 6:50
